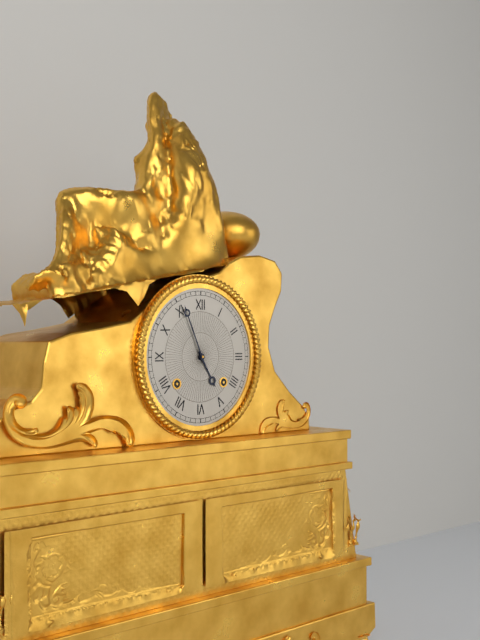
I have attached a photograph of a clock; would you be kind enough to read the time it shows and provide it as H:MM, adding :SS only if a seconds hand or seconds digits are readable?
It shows 4:56
